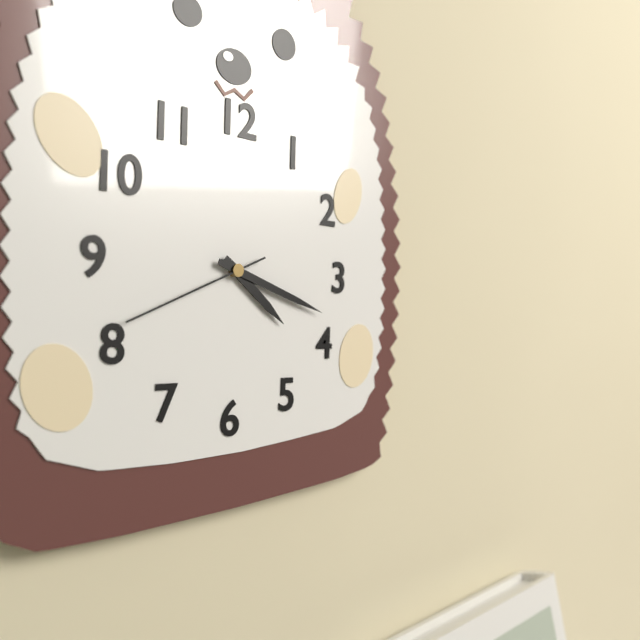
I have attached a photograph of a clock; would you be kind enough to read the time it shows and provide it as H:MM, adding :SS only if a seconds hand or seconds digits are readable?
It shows 4:18:41
